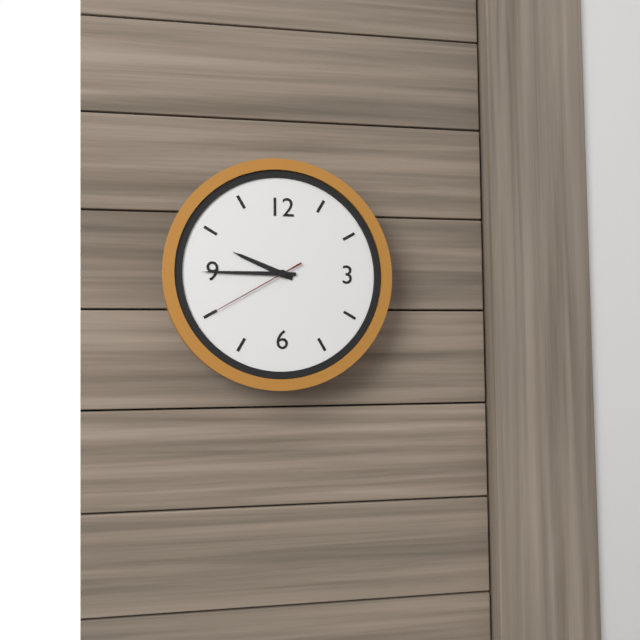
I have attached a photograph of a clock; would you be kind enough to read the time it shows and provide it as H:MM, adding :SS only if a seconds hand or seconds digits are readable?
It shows 9:45:40
